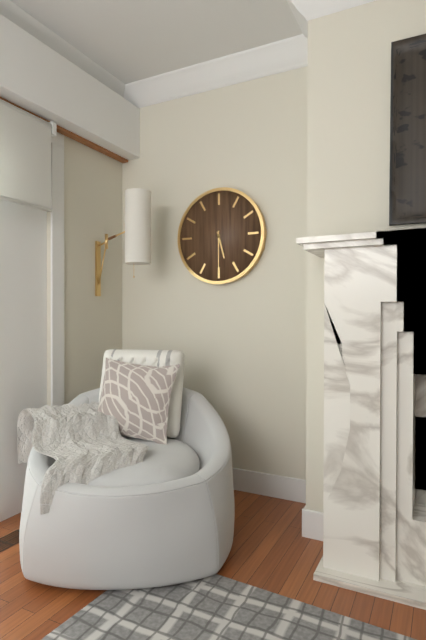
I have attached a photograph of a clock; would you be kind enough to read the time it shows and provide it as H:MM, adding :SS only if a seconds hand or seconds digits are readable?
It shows 5:30
